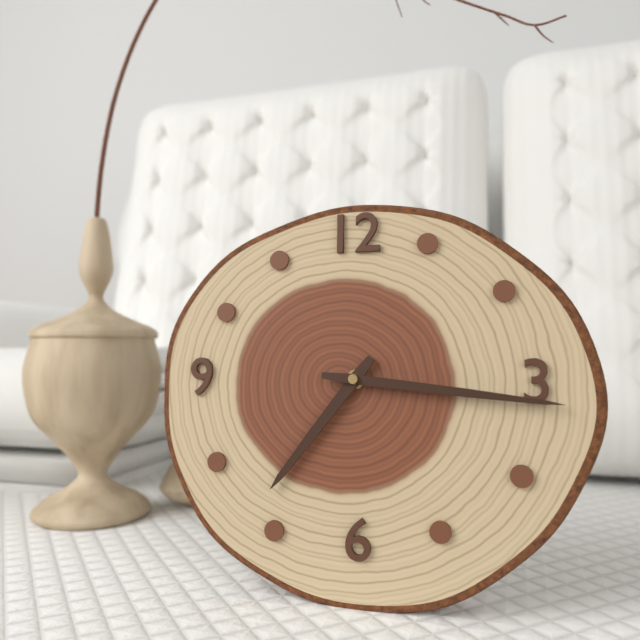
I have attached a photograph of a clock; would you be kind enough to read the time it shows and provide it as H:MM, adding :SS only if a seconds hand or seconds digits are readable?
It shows 7:16
